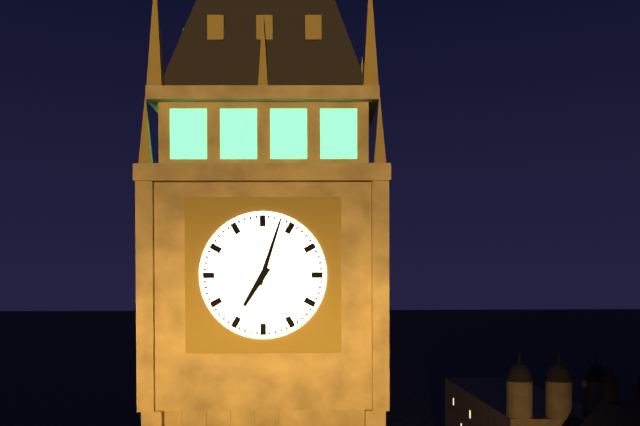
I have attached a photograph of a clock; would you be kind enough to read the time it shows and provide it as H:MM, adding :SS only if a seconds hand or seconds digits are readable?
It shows 7:03
